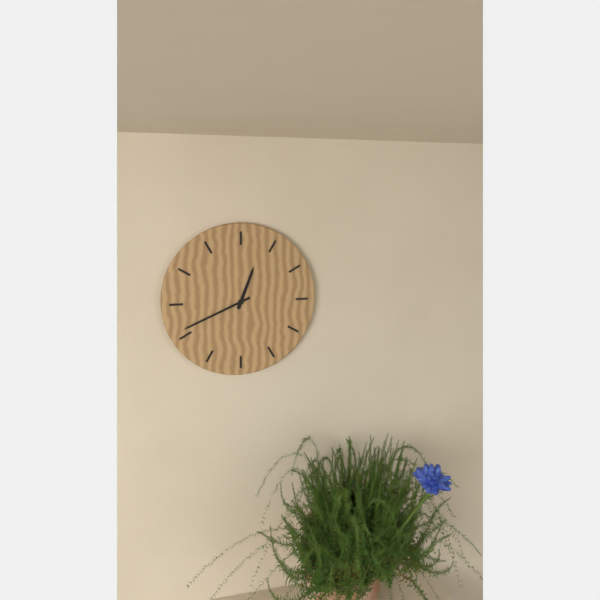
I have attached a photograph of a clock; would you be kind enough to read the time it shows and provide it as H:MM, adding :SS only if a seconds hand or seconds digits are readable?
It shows 12:41
